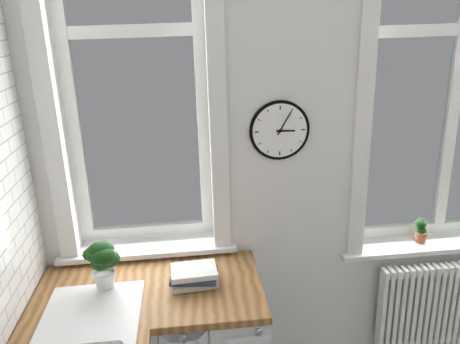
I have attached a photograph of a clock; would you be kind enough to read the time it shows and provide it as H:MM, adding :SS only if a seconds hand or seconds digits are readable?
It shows 3:05
